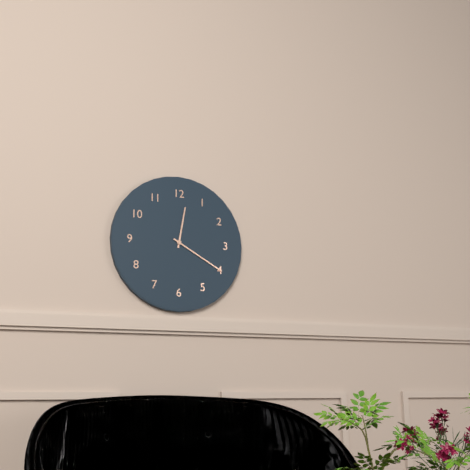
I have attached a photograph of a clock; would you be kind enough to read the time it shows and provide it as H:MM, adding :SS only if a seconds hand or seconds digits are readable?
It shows 12:20
